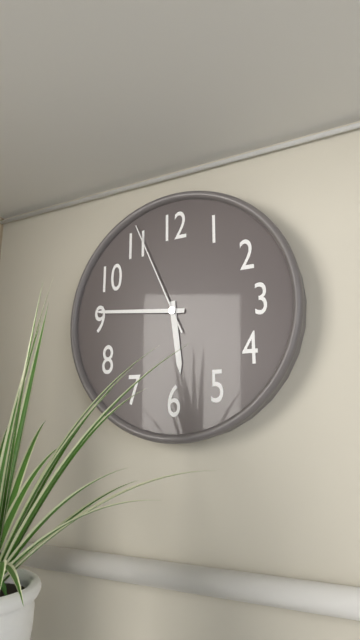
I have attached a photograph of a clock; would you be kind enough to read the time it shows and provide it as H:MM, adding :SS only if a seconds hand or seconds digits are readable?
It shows 5:46:56
